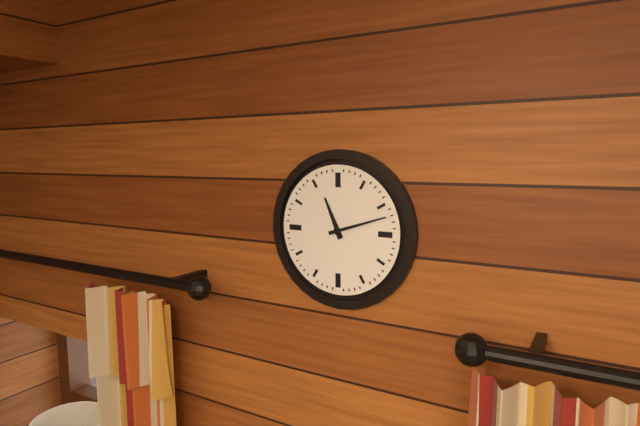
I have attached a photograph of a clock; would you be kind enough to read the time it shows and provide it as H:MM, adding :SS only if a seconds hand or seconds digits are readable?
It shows 11:12
